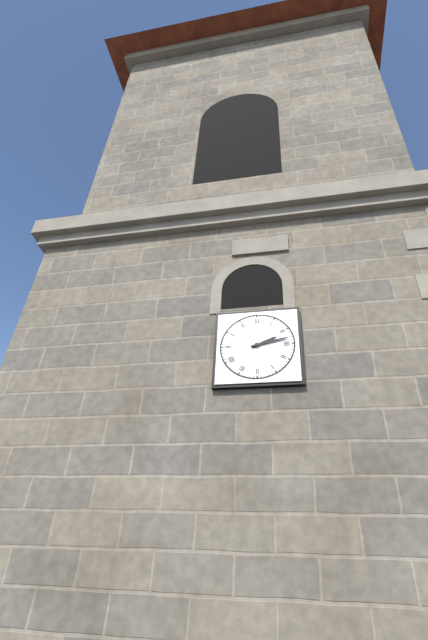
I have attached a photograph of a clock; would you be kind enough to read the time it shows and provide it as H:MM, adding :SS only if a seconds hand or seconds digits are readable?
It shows 2:13
